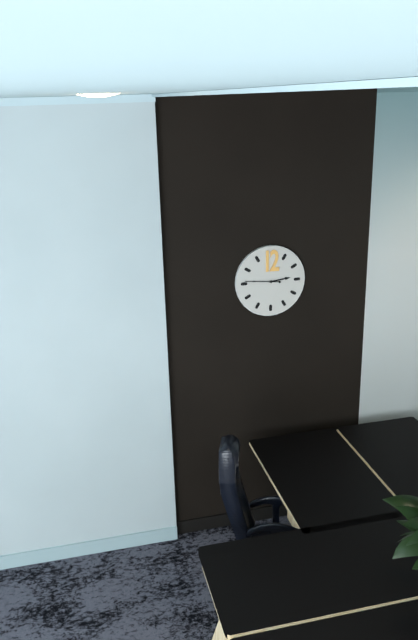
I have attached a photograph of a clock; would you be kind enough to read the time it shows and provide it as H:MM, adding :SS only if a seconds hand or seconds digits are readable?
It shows 2:46
